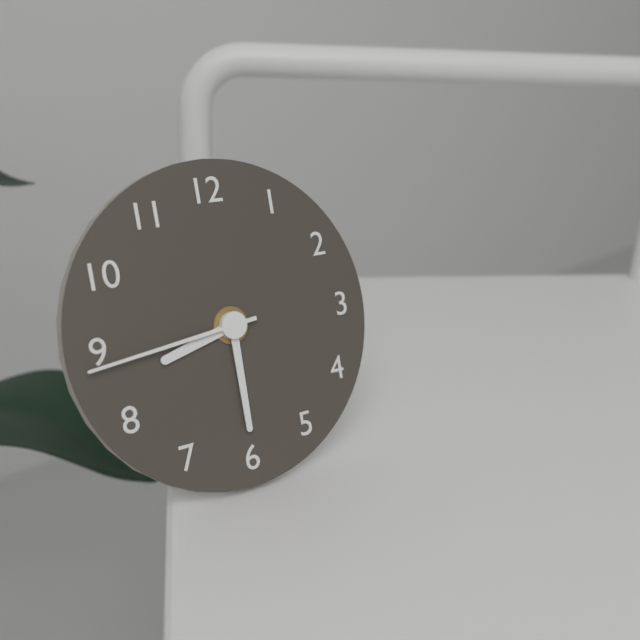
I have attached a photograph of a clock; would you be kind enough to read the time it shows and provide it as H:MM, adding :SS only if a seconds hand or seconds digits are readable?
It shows 8:30:44
